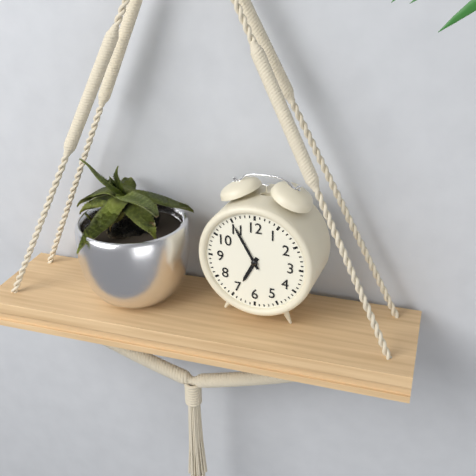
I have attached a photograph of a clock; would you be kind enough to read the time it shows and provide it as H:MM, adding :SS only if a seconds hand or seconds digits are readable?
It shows 6:55
